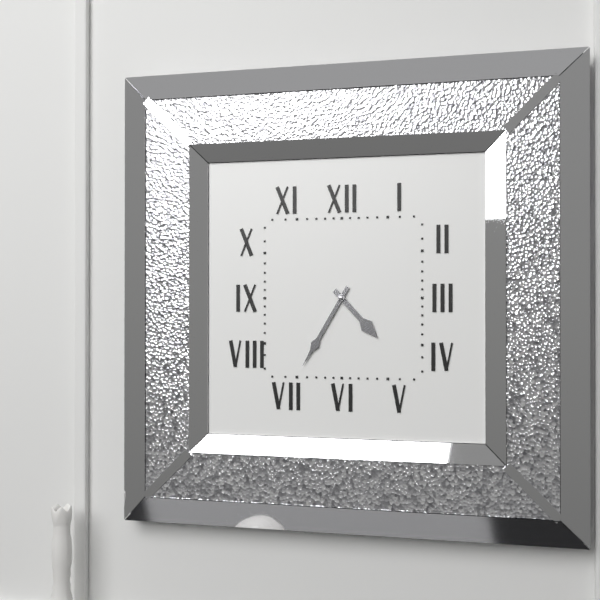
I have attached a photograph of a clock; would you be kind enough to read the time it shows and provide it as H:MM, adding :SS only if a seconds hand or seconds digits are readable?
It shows 4:35
